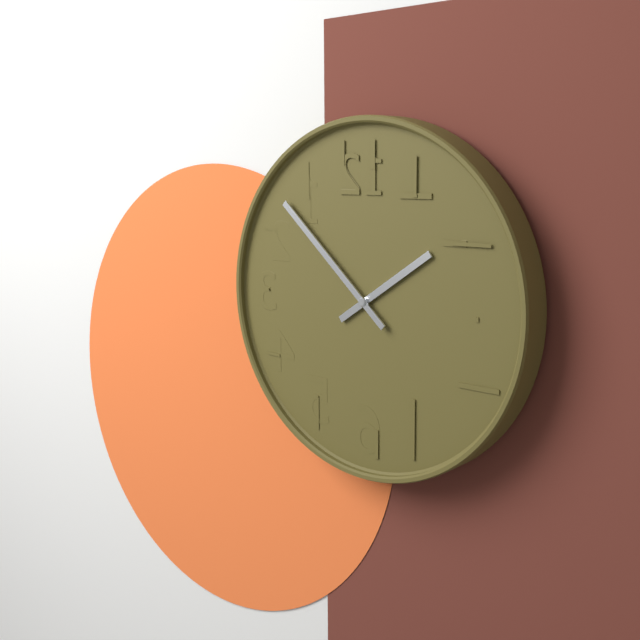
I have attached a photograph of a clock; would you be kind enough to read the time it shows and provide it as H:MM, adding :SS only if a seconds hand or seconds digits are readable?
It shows 1:52
